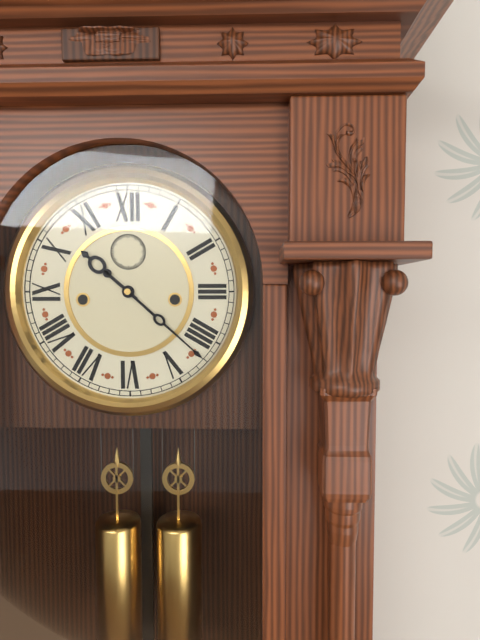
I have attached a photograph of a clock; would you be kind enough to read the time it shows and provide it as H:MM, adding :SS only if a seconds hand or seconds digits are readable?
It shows 10:22
